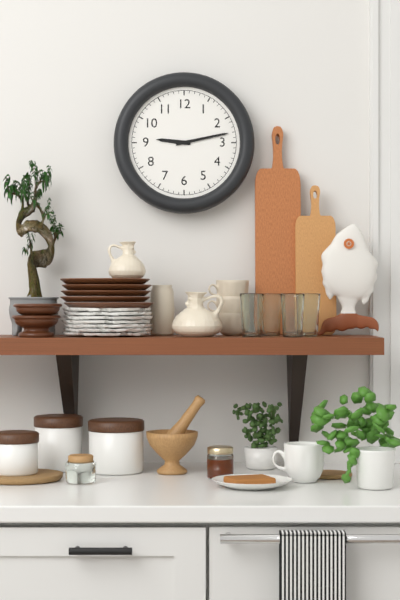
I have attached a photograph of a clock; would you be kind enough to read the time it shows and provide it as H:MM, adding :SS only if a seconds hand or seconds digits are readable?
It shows 9:13
